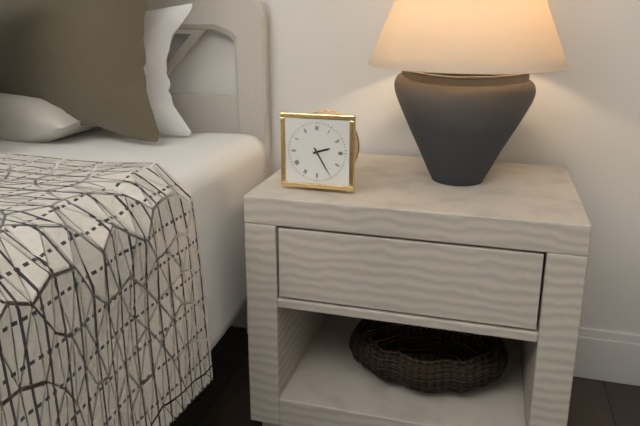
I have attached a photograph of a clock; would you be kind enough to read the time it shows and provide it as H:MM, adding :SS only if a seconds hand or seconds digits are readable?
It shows 2:25
